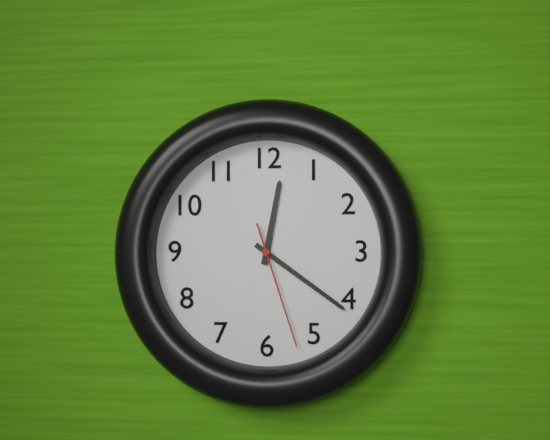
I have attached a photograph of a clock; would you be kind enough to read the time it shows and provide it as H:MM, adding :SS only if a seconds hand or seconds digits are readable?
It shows 12:21:27
